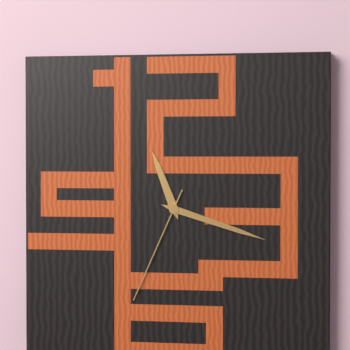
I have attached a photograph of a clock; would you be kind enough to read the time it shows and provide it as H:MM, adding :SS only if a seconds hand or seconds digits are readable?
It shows 11:18:34
